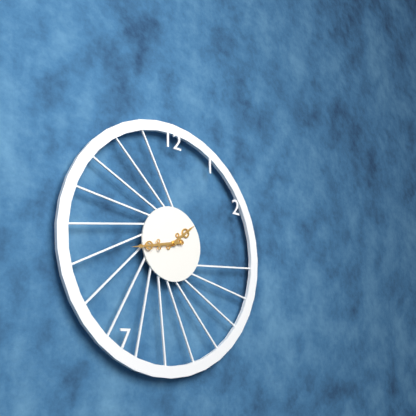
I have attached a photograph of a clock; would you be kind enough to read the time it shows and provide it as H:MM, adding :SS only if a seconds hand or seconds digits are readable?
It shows 1:43
